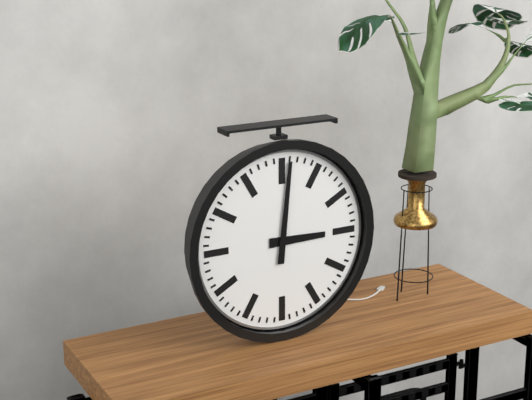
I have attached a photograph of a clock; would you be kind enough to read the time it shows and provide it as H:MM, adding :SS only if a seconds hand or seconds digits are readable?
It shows 3:01
